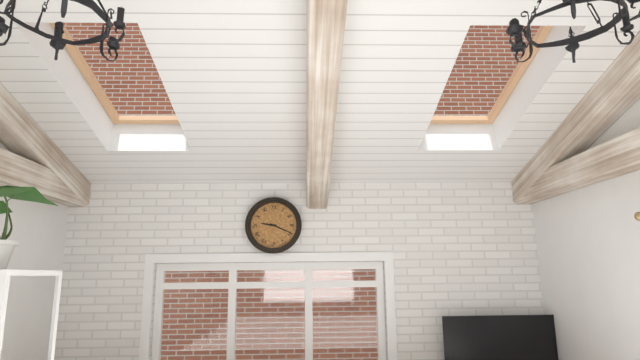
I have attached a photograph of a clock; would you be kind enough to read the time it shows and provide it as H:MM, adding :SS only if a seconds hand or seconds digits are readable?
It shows 9:19
